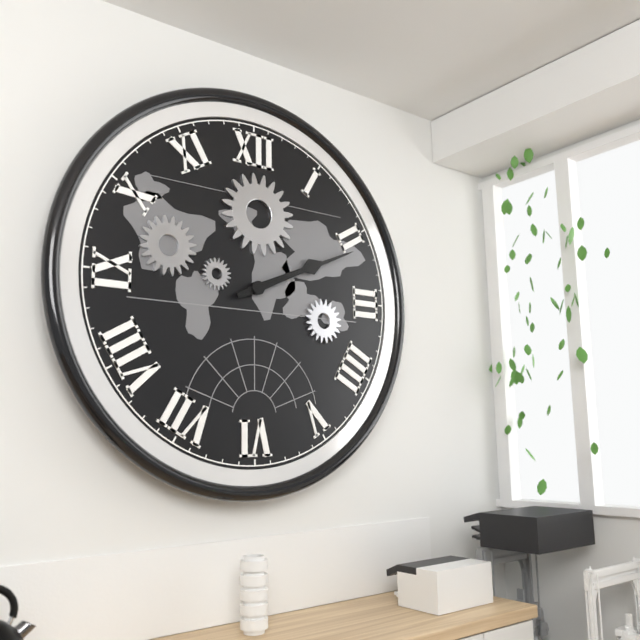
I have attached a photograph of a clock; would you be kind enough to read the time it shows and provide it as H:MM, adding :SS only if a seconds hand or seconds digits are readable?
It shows 2:11
